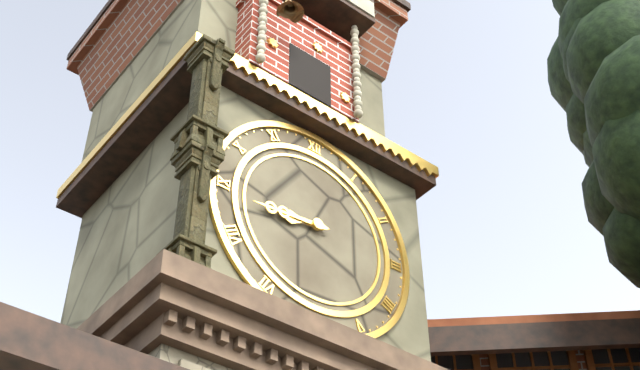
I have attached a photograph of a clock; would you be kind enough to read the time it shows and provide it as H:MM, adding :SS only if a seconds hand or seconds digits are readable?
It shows 8:44
